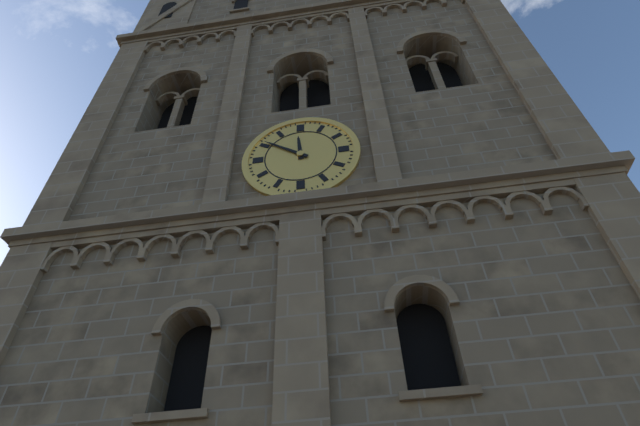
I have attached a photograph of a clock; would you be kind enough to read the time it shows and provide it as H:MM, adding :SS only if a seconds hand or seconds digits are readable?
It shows 11:51
